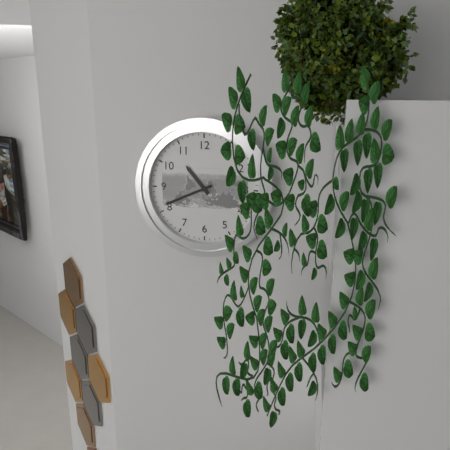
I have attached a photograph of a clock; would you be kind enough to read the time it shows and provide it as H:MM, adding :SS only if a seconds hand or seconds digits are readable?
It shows 10:41
